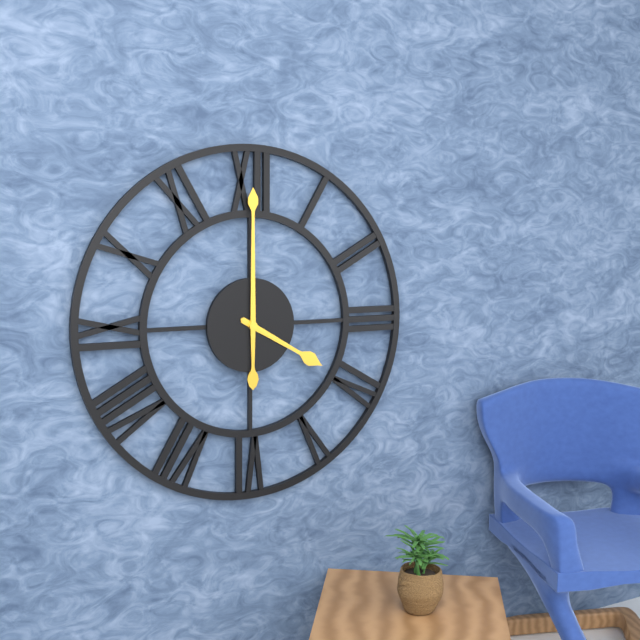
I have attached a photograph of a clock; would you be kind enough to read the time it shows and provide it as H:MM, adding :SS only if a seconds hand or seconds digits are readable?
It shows 4:00
